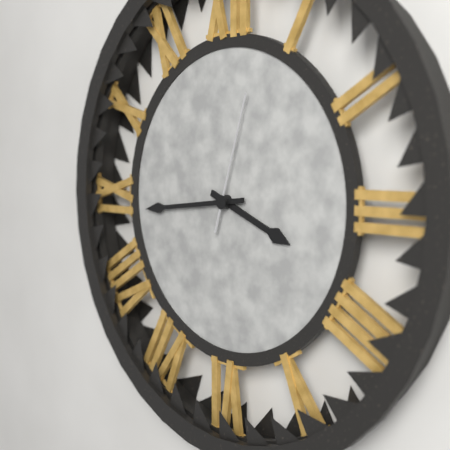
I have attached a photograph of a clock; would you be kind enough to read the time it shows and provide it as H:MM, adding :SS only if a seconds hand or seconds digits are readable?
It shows 3:44:03
